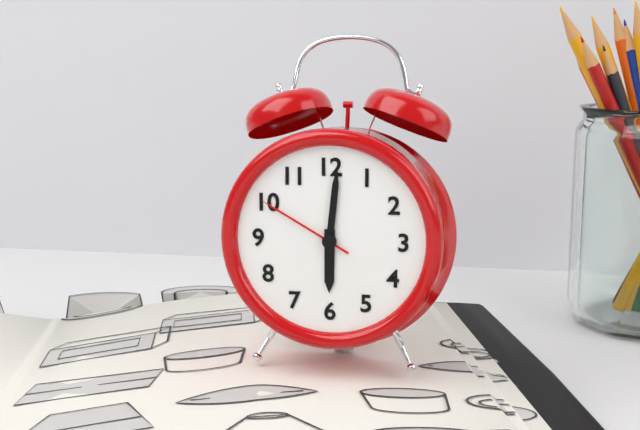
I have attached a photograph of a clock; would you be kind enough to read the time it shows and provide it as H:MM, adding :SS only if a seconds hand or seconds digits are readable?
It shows 6:01:50
